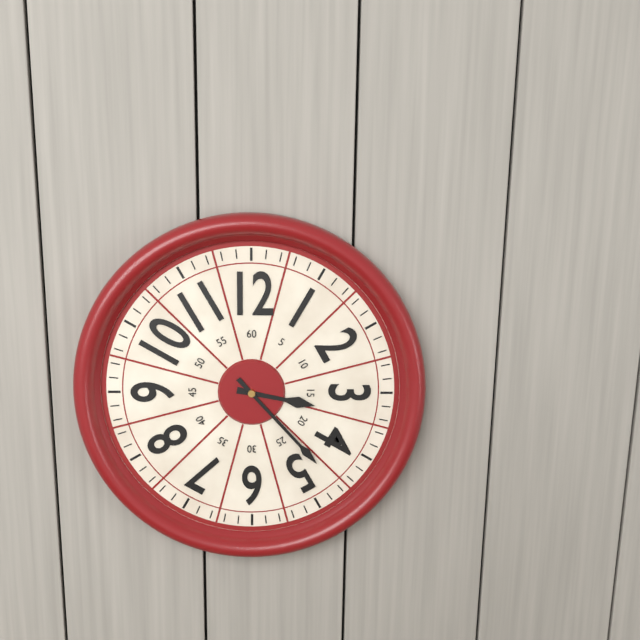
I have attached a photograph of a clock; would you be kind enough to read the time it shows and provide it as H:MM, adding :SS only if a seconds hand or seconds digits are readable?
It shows 3:23
